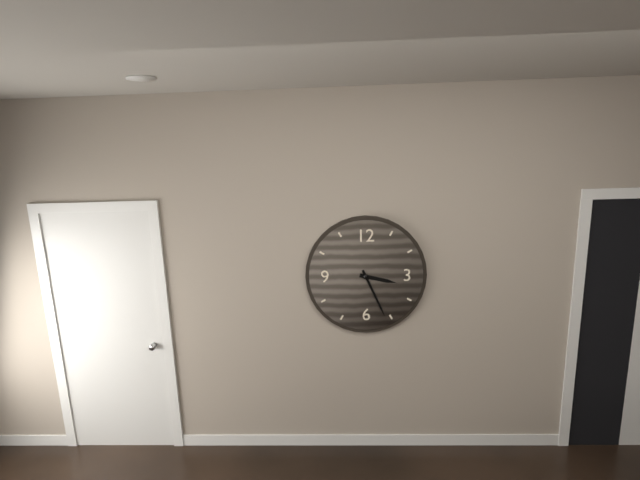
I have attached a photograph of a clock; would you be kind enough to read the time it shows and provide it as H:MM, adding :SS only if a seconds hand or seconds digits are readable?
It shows 3:26
